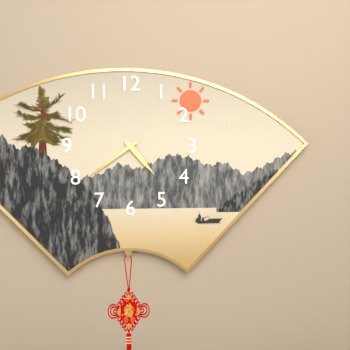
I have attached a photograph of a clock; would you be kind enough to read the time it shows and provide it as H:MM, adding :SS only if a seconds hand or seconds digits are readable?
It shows 4:39
